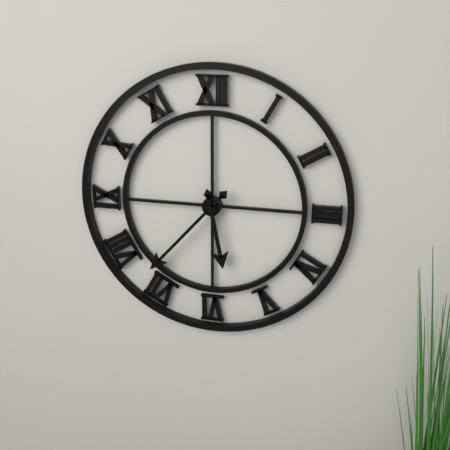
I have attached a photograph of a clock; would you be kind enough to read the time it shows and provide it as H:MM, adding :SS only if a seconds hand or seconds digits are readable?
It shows 5:37
